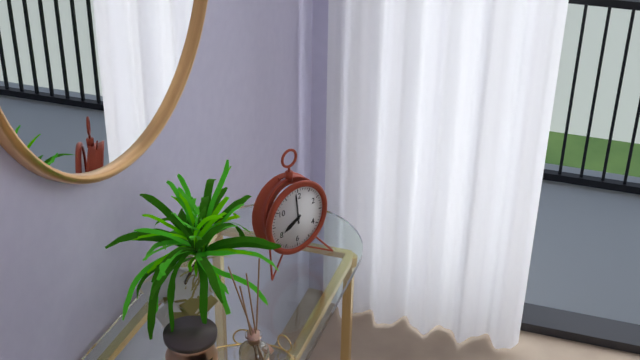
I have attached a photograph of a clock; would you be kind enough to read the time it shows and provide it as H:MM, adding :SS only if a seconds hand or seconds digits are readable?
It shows 7:59
